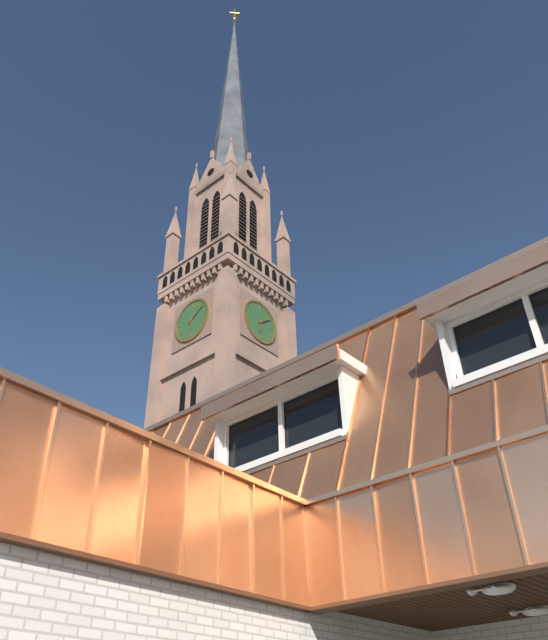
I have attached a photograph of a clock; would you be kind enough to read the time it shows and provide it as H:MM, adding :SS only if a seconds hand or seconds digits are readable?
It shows 6:09
